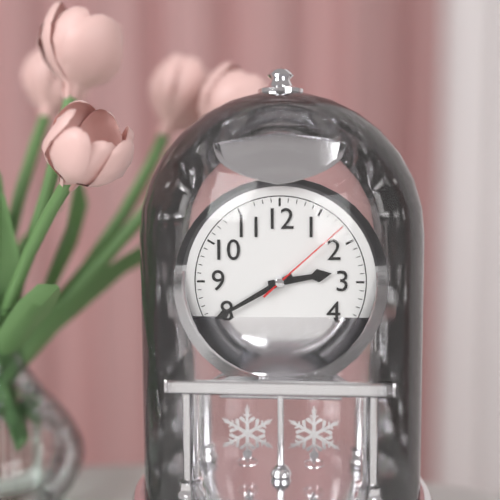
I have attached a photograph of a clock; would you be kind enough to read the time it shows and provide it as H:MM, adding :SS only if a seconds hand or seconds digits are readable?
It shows 2:40:08
